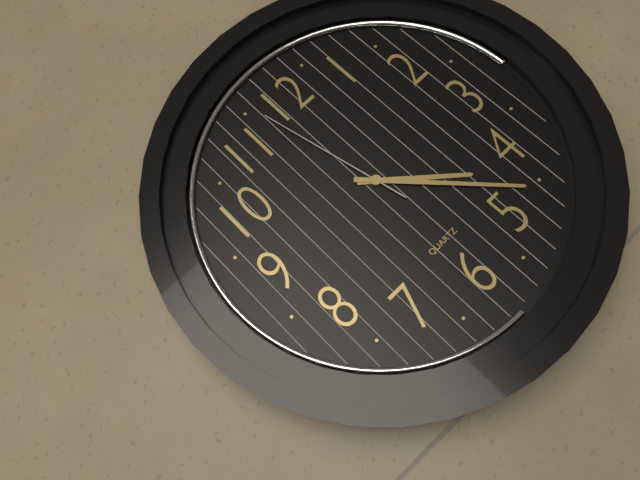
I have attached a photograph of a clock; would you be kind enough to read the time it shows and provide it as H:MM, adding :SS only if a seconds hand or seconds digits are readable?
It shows 4:23:58
